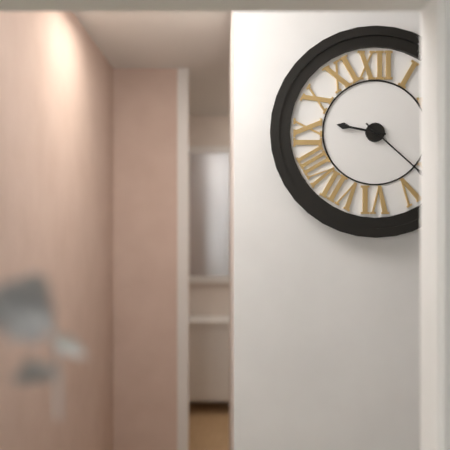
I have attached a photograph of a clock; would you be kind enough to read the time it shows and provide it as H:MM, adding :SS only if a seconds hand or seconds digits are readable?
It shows 9:22
